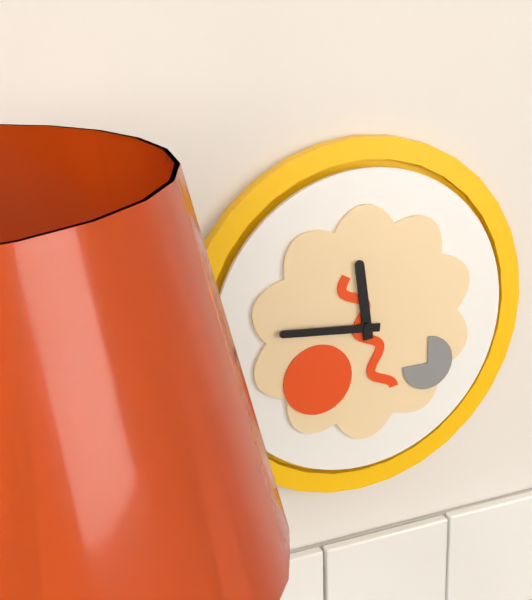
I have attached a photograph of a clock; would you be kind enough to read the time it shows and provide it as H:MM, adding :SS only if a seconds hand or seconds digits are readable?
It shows 11:46
